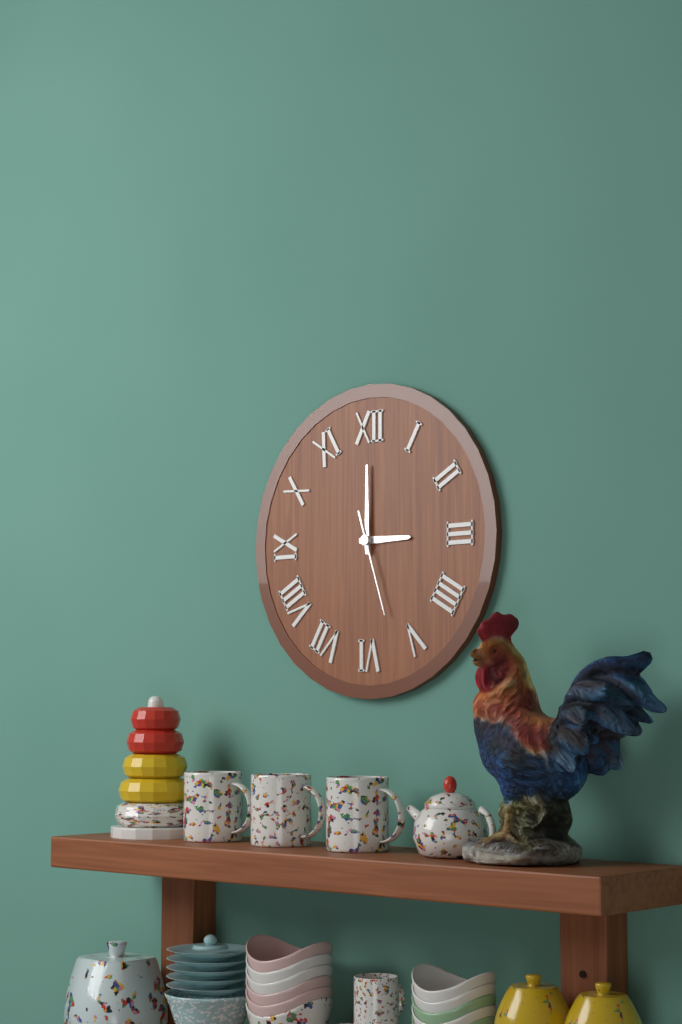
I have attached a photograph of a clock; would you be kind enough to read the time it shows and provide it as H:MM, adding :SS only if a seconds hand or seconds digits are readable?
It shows 3:00:27
